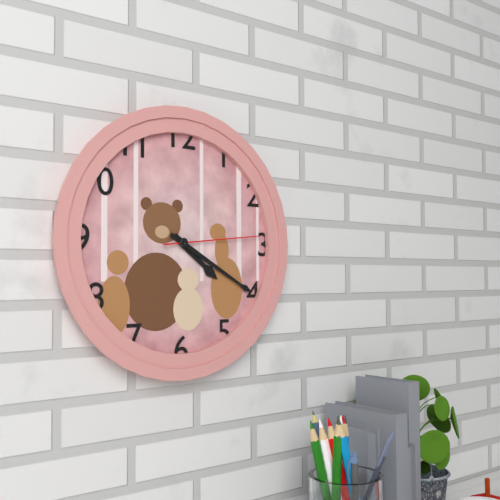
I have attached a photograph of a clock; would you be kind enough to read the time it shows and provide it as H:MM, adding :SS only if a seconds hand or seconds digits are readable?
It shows 4:20:14
